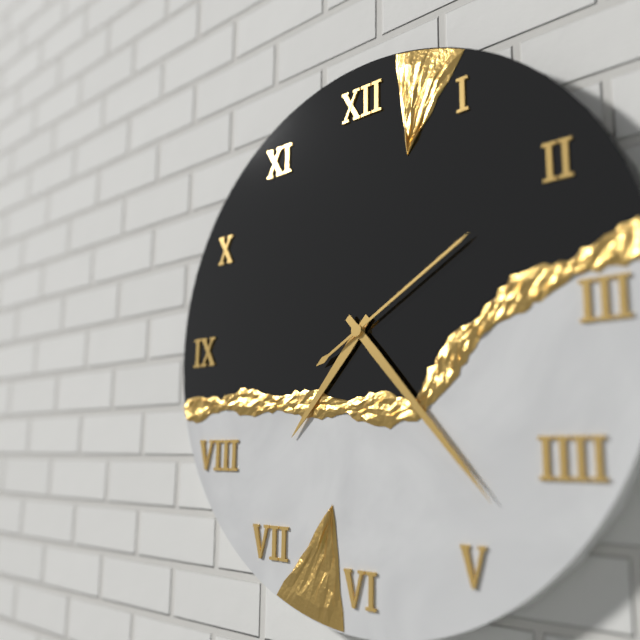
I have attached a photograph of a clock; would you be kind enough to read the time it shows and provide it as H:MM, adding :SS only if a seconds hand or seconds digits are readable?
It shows 7:23:10
